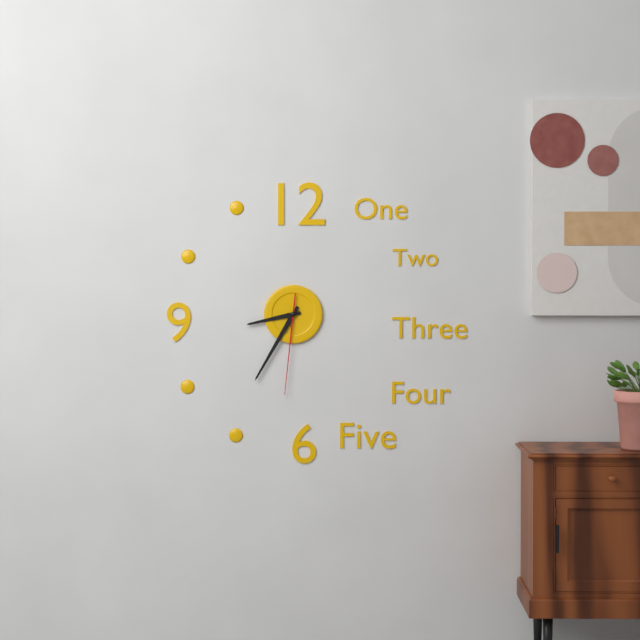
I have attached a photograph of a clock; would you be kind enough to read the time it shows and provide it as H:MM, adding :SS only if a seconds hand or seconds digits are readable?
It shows 8:35:31
